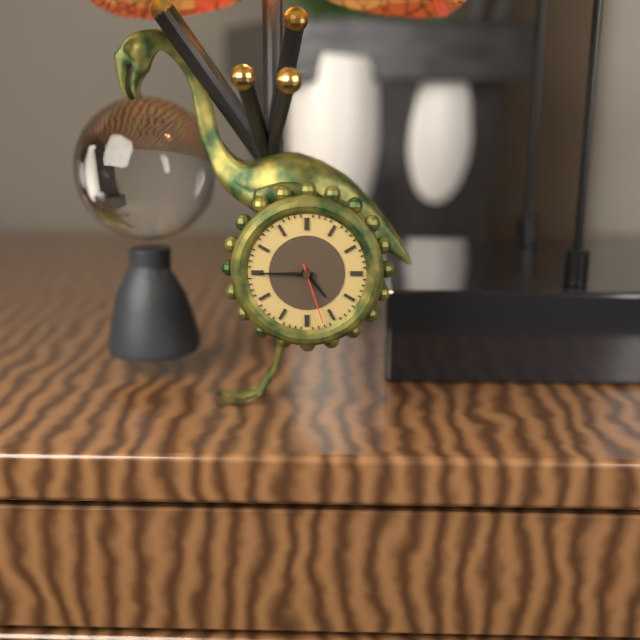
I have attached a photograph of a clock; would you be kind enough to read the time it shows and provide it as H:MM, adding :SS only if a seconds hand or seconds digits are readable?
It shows 4:45:27
